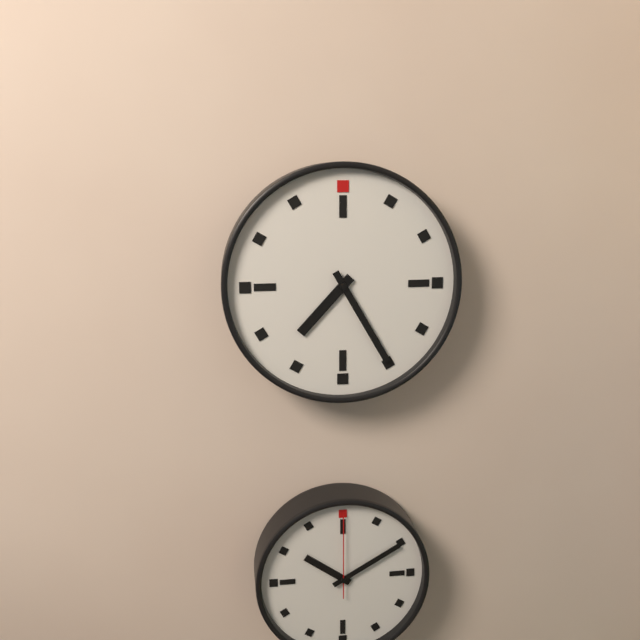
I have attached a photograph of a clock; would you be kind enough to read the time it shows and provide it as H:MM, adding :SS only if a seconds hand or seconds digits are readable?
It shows 7:25
